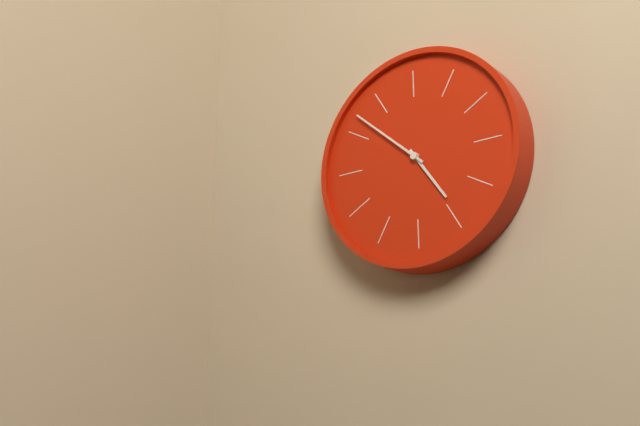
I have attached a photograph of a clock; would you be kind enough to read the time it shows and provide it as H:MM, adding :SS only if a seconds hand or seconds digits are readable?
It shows 4:52
